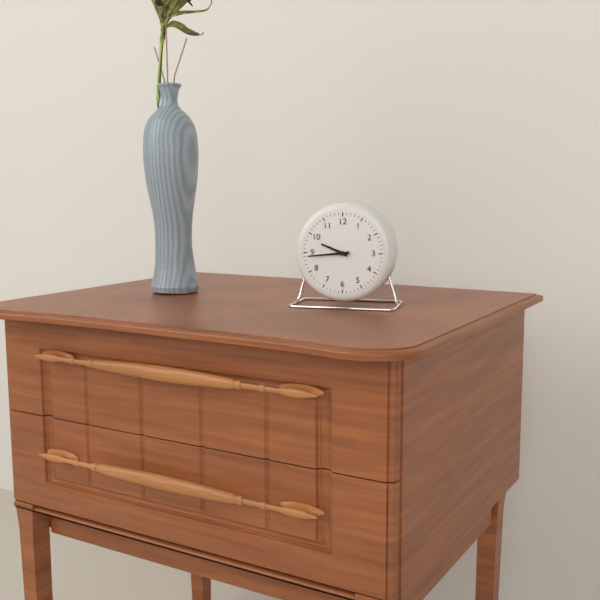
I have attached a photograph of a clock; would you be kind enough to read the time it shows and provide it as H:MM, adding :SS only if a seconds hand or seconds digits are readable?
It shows 9:44
